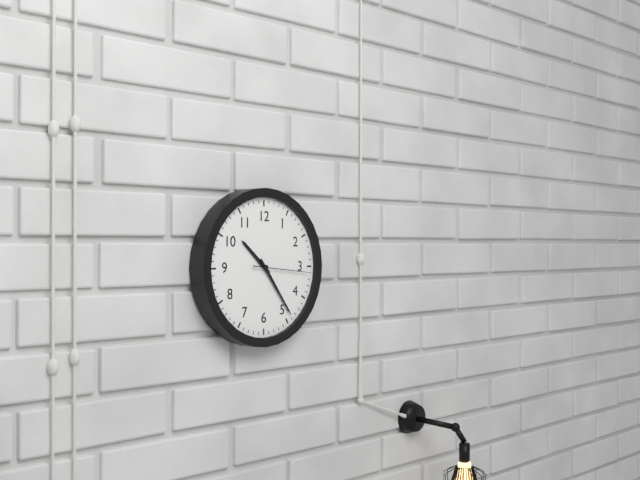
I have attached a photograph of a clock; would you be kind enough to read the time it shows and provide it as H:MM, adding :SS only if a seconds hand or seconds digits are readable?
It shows 10:24:16
